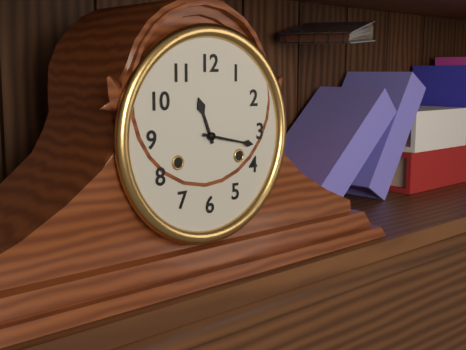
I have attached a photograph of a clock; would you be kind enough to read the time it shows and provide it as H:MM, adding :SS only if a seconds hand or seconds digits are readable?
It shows 11:17
